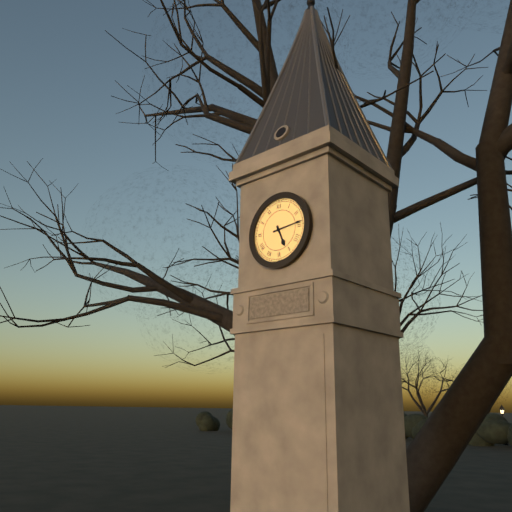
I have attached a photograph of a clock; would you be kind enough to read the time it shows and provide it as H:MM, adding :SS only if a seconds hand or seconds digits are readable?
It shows 5:14
